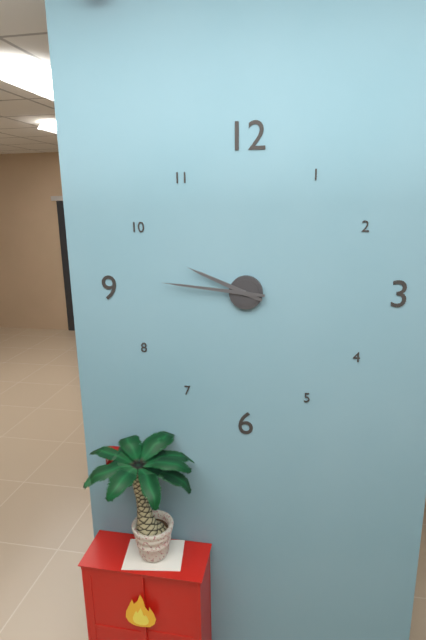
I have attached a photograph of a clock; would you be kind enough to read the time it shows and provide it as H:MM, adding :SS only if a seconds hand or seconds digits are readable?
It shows 9:46
